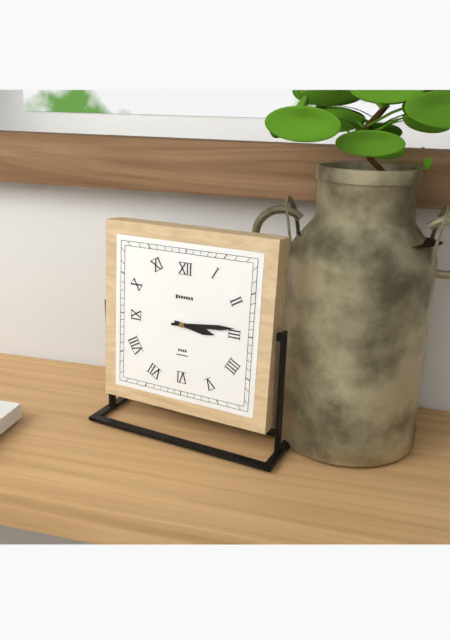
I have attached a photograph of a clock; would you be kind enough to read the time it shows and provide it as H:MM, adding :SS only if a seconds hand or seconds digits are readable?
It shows 3:14
